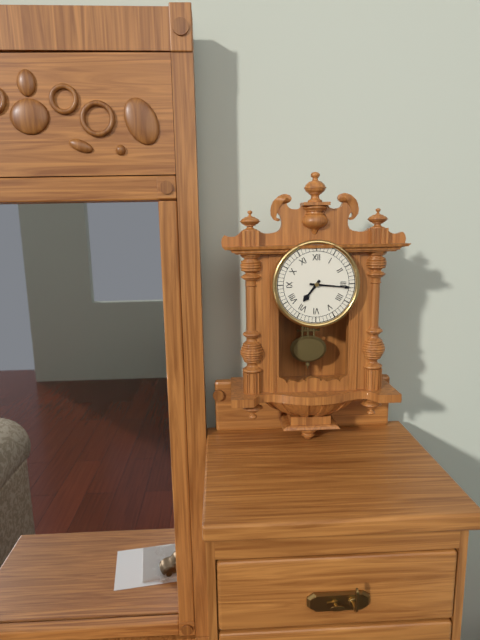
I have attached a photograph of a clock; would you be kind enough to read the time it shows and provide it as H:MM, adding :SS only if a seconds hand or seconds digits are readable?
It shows 7:16
